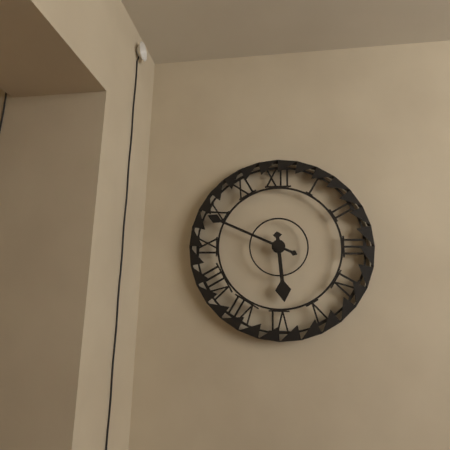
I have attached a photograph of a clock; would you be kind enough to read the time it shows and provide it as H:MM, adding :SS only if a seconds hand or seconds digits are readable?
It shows 5:49
